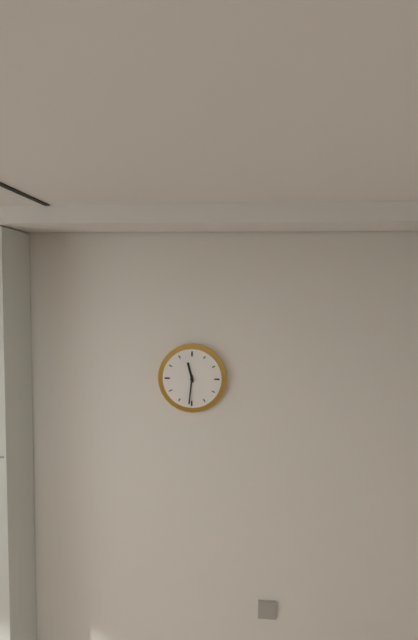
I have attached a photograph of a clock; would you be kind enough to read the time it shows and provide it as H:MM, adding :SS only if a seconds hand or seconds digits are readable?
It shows 11:31
